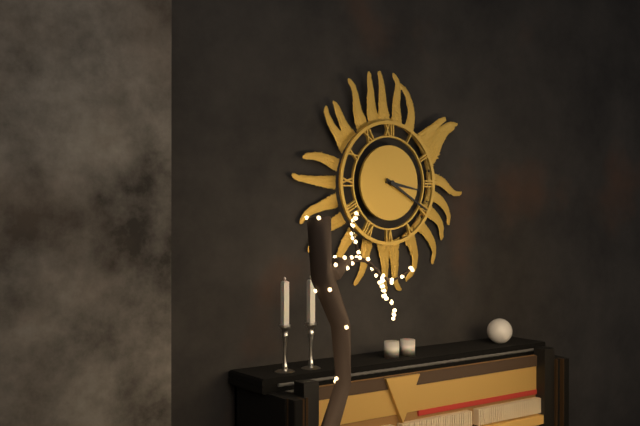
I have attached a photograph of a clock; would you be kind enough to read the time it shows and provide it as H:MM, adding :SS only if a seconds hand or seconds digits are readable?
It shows 3:20
